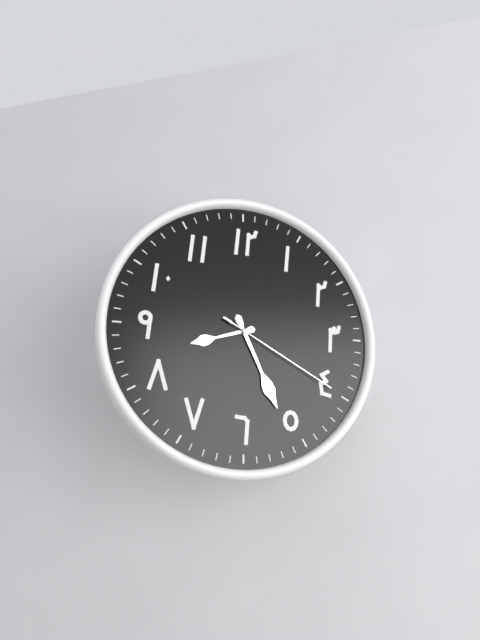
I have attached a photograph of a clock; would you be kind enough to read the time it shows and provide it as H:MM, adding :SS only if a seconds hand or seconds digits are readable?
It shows 8:26:20
